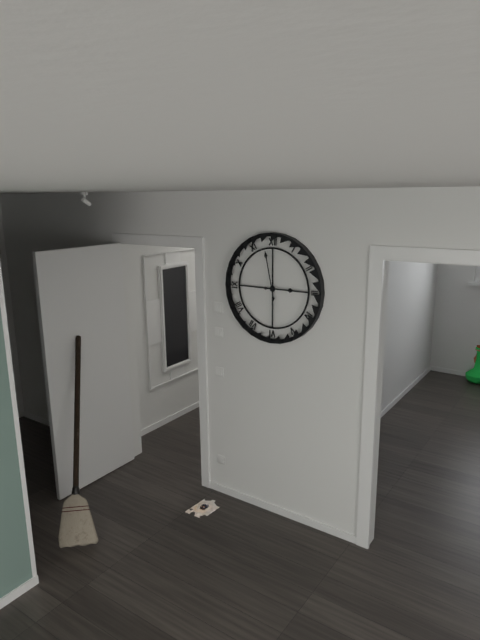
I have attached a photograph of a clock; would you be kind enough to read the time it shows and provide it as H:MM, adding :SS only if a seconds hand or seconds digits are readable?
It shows 2:58
